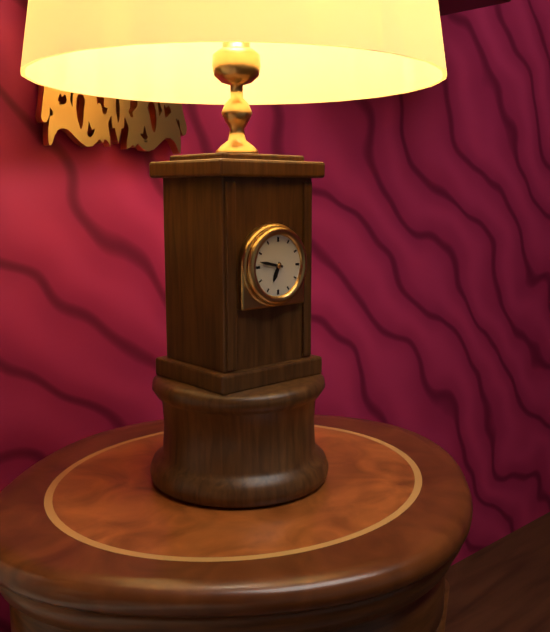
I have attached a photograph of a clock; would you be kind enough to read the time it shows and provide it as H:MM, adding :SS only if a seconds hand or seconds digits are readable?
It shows 6:47
